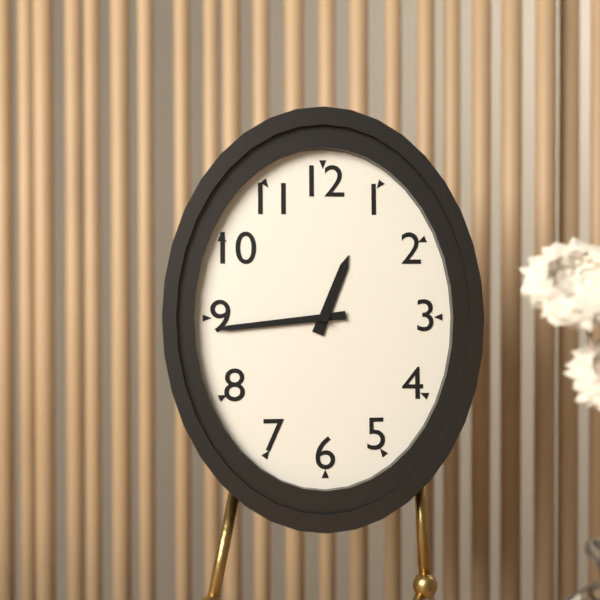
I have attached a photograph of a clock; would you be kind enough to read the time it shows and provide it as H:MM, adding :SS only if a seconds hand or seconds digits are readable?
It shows 12:44
